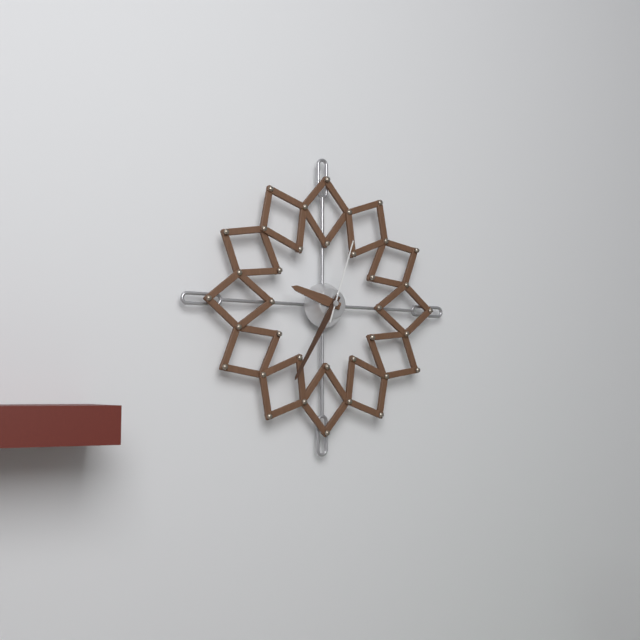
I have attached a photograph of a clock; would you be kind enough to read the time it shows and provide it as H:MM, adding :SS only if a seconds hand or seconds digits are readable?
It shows 9:35:03
